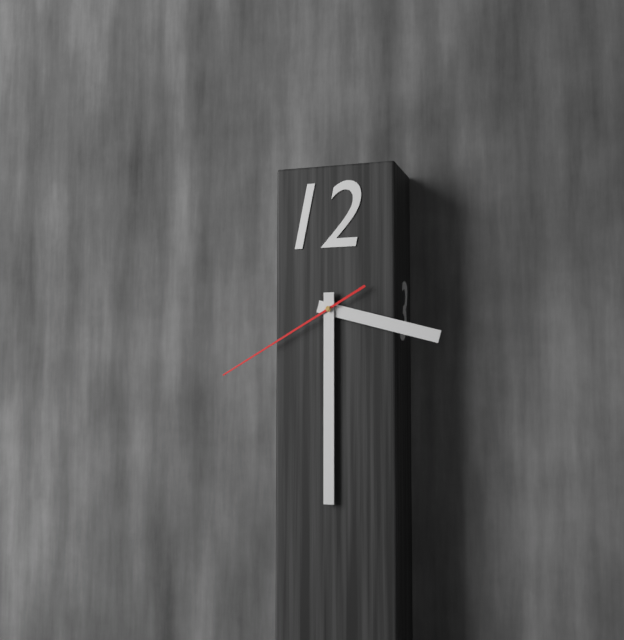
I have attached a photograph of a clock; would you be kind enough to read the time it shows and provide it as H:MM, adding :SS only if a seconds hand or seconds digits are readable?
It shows 3:30:40
